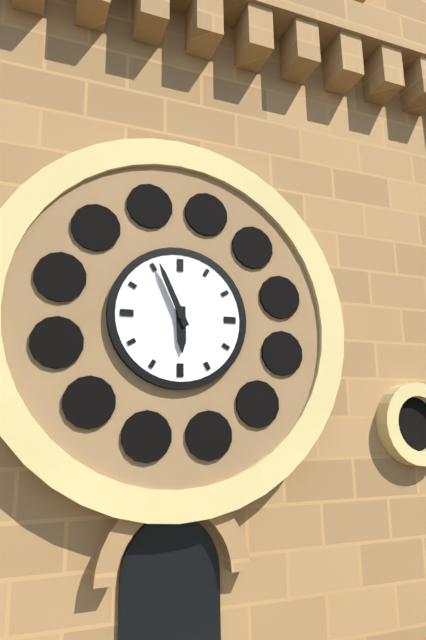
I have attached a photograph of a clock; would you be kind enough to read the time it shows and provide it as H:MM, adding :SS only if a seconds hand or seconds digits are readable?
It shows 5:56
